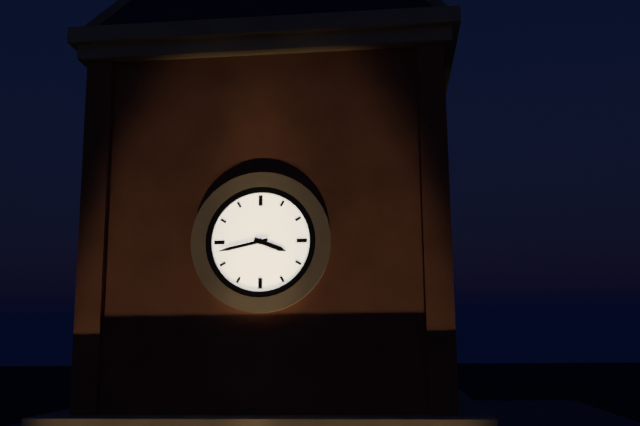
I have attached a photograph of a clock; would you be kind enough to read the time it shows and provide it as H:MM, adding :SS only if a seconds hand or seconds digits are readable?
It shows 3:43
